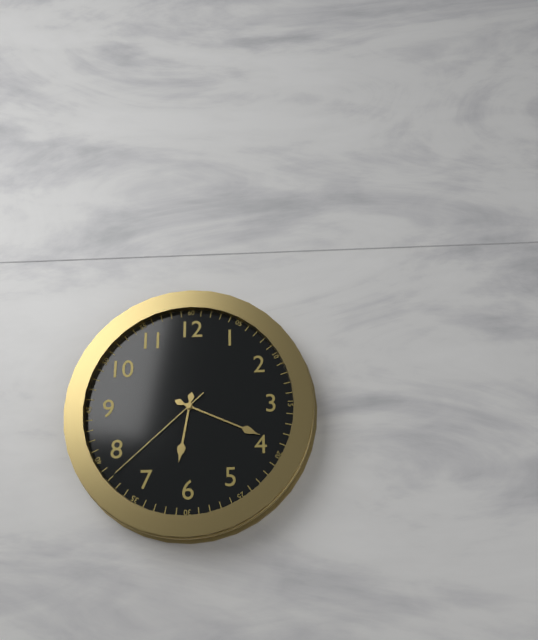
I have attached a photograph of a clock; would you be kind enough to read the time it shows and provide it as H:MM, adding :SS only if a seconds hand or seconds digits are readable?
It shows 6:19:38
